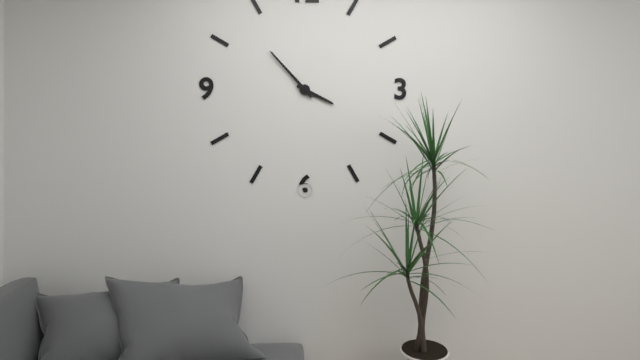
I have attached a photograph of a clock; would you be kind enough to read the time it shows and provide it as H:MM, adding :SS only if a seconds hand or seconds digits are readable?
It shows 3:53
